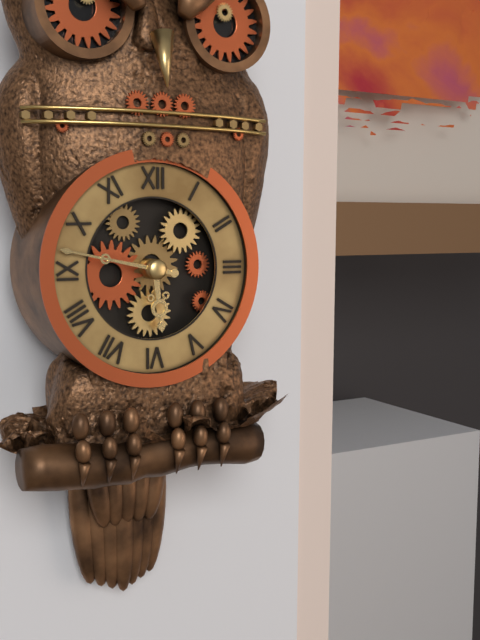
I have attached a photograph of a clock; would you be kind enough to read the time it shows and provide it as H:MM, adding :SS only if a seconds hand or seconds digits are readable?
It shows 5:47
